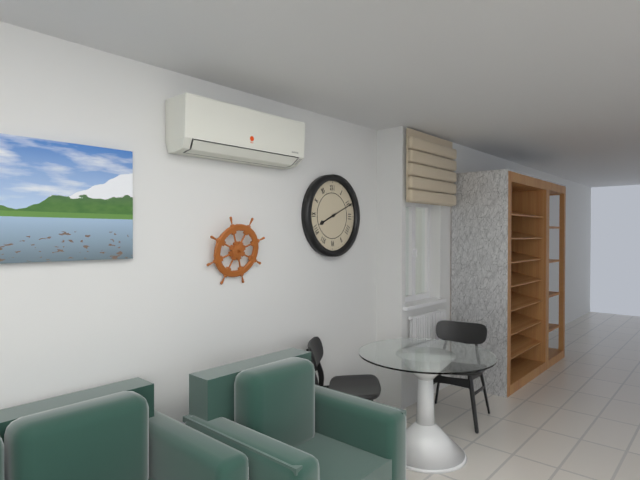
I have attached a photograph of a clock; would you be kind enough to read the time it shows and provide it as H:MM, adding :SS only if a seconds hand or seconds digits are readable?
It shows 8:11
